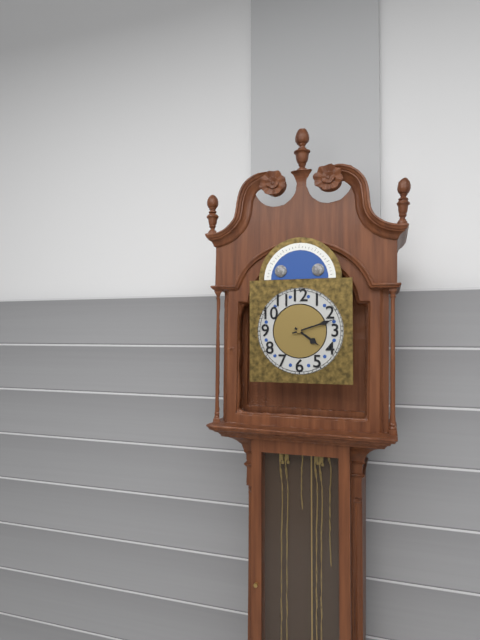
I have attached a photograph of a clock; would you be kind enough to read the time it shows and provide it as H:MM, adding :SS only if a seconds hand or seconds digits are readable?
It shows 4:12
